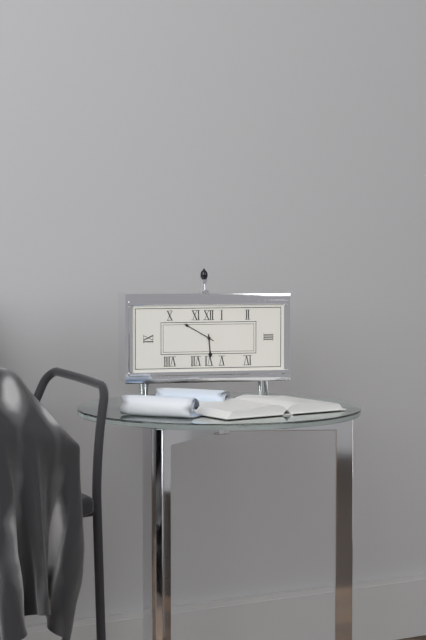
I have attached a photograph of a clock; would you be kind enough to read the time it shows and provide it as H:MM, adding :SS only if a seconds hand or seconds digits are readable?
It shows 5:50
